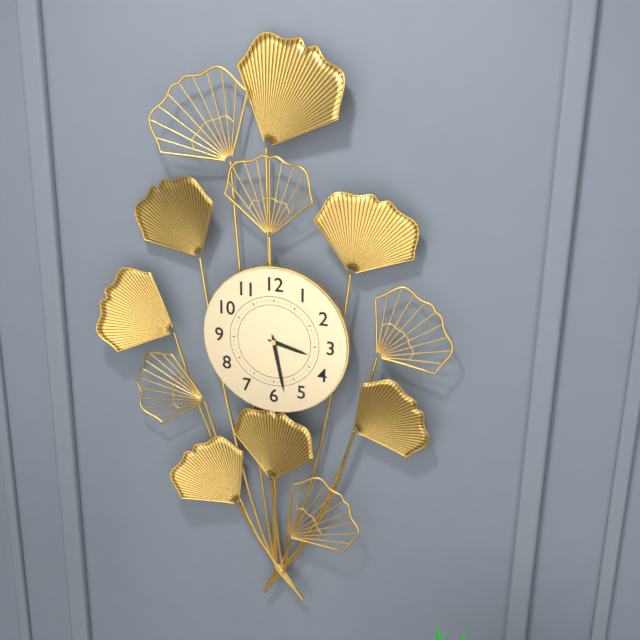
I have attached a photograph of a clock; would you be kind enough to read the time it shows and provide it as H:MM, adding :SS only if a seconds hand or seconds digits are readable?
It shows 3:28
